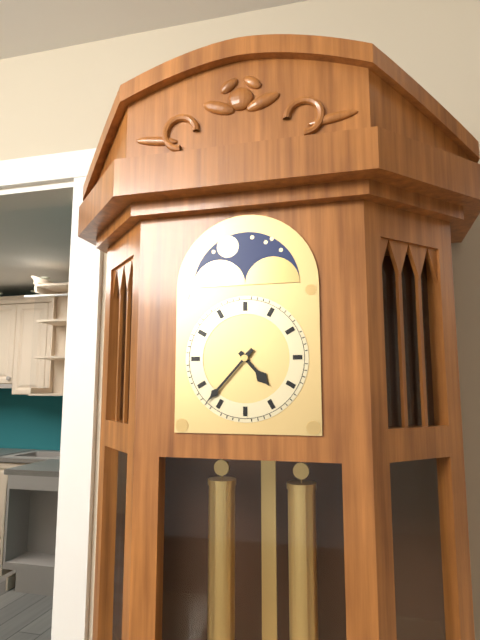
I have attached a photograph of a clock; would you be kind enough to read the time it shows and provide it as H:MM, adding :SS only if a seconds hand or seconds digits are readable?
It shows 4:37
